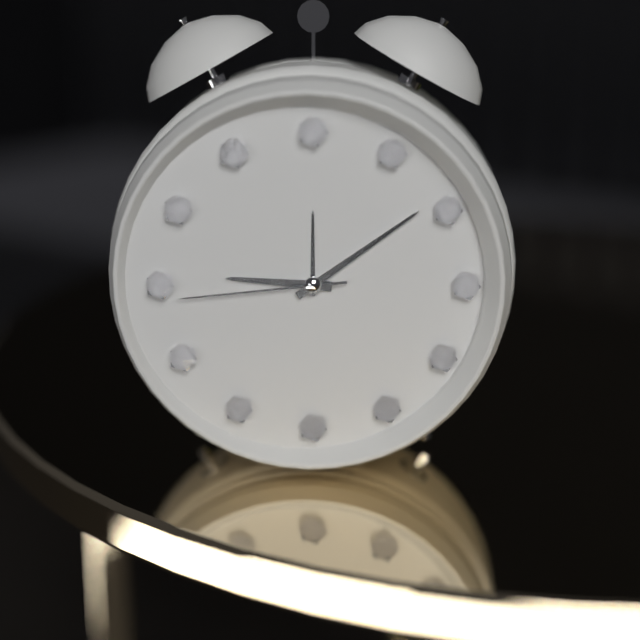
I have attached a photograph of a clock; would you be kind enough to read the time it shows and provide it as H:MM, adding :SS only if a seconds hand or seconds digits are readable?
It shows 9:09:44
